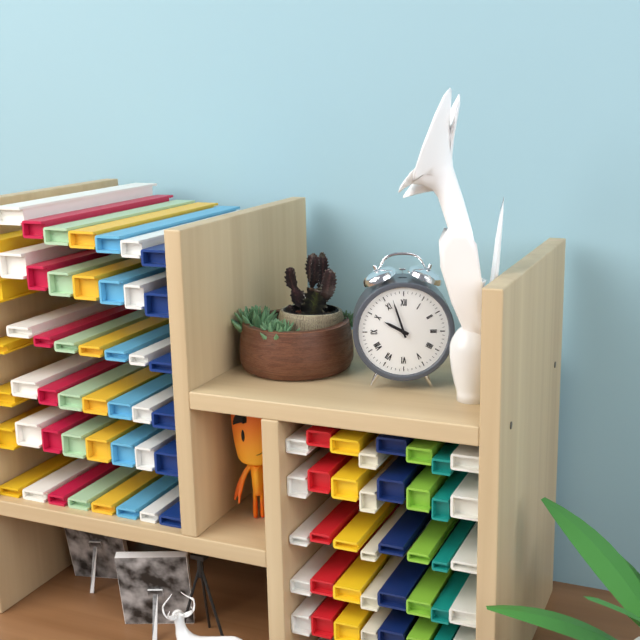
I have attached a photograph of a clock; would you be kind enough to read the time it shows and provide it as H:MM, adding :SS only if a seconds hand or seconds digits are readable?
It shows 9:57
